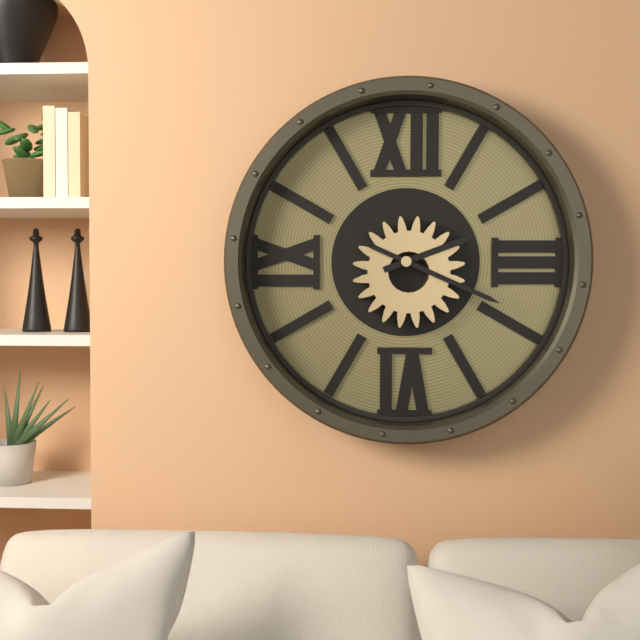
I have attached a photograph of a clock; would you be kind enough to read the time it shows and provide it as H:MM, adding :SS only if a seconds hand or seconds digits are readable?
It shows 2:19
